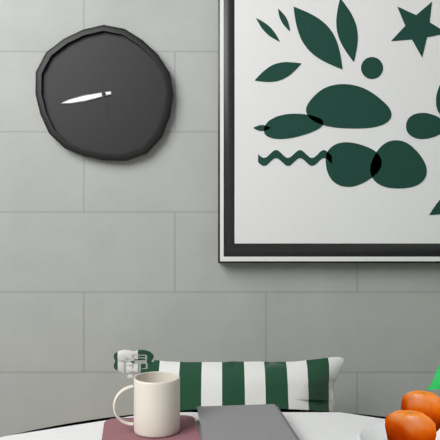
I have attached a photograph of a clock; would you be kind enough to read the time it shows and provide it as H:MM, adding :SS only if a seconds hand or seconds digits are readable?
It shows 5:43
